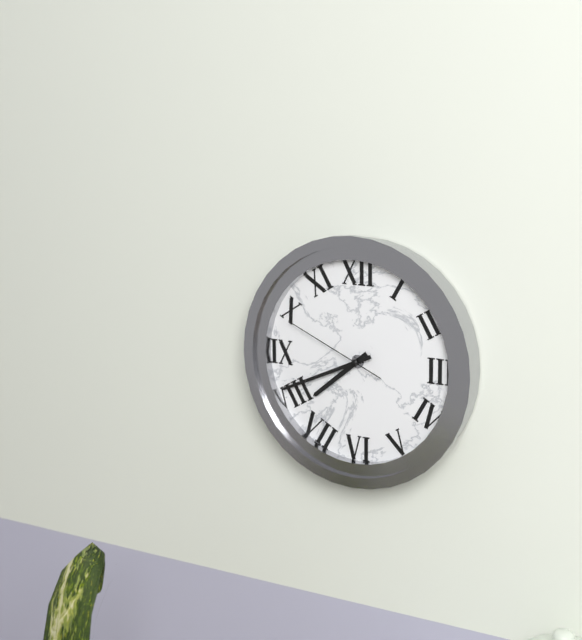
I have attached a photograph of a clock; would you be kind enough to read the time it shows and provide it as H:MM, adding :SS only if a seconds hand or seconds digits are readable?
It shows 7:41:49
